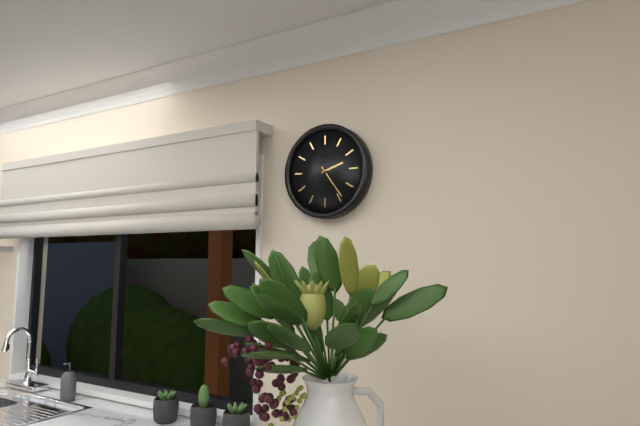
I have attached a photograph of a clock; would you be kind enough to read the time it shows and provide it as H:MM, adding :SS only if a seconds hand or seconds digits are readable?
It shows 2:24
